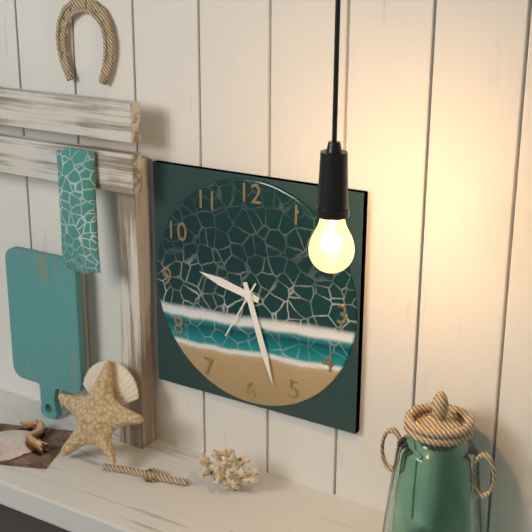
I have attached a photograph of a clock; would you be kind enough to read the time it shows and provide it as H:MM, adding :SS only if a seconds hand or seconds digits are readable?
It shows 9:27:35
